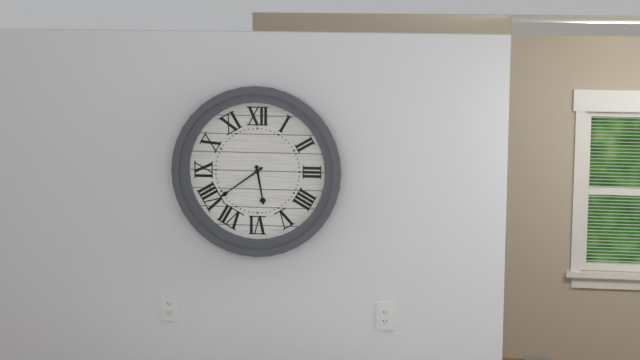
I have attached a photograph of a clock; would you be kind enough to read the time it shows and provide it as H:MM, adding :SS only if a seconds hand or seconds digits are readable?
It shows 5:39
